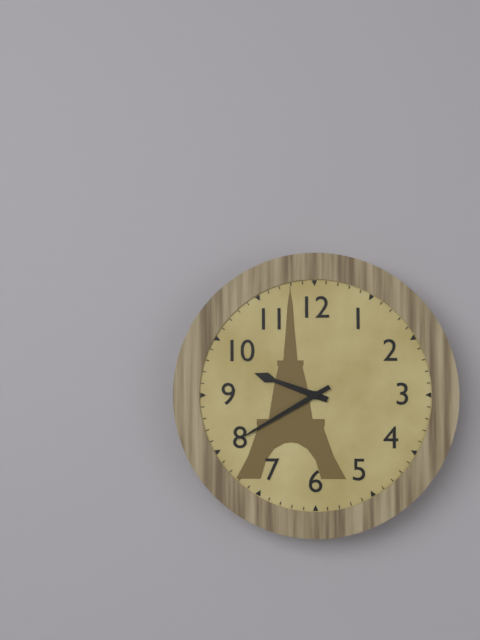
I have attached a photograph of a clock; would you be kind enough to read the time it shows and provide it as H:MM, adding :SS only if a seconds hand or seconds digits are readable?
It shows 9:40
